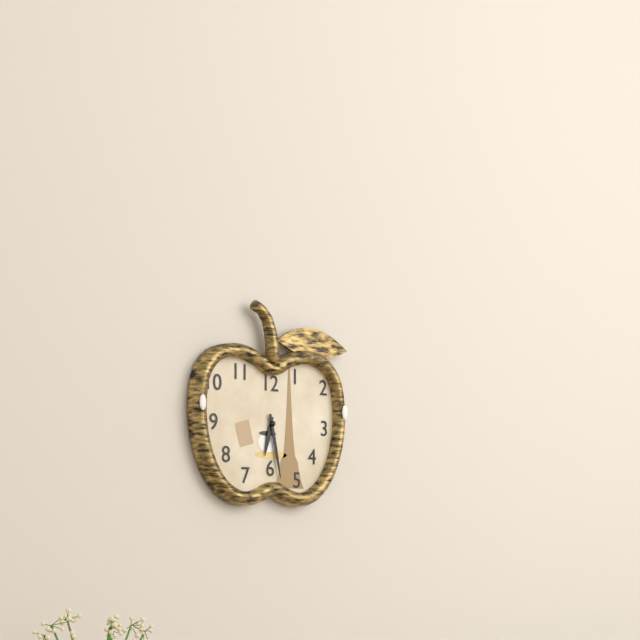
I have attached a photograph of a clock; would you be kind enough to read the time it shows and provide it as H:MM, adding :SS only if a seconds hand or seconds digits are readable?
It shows 6:28
